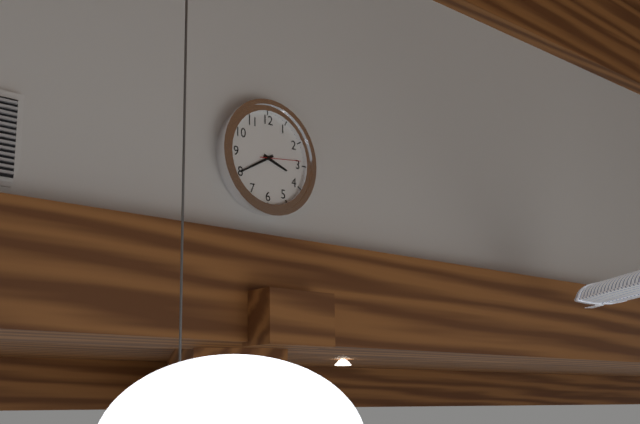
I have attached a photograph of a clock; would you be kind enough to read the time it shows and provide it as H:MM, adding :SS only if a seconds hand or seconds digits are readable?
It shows 3:40
